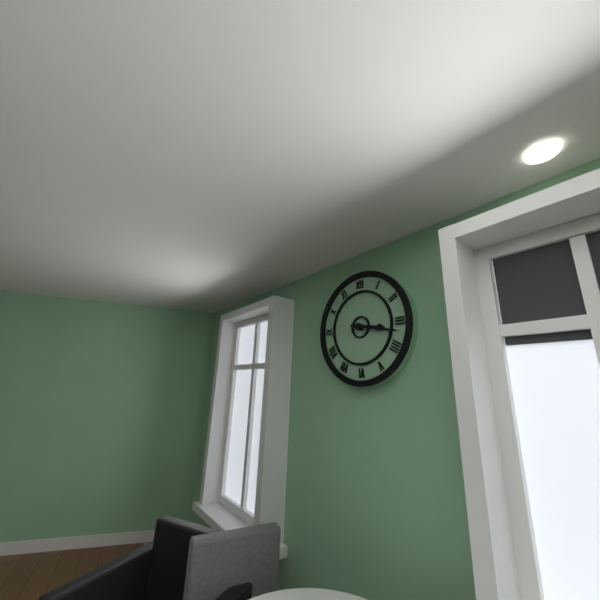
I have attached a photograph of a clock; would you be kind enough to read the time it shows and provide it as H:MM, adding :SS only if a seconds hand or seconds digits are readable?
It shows 3:17
